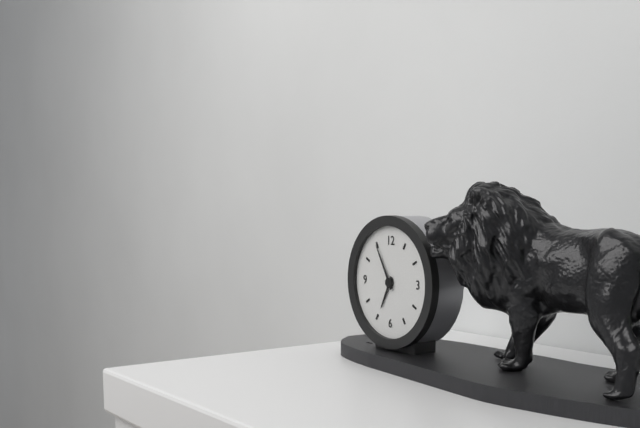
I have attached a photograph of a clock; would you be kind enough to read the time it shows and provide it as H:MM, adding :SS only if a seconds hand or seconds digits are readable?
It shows 6:55
